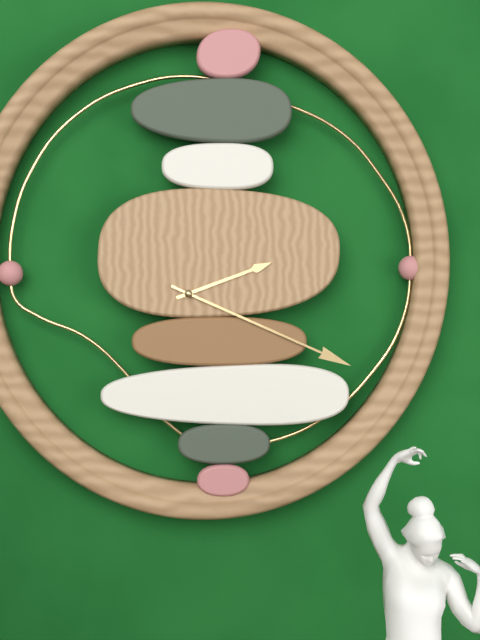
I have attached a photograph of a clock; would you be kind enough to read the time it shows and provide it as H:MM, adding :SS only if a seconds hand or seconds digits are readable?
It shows 2:19
